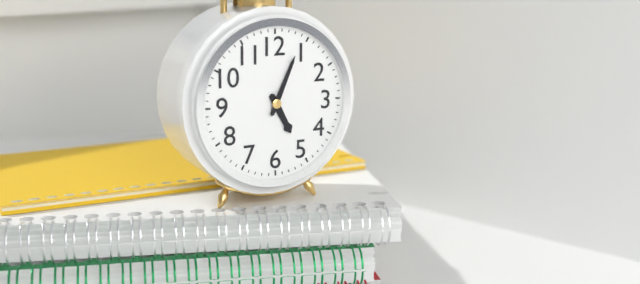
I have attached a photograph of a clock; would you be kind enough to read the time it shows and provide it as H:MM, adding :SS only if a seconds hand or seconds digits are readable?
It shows 5:04
